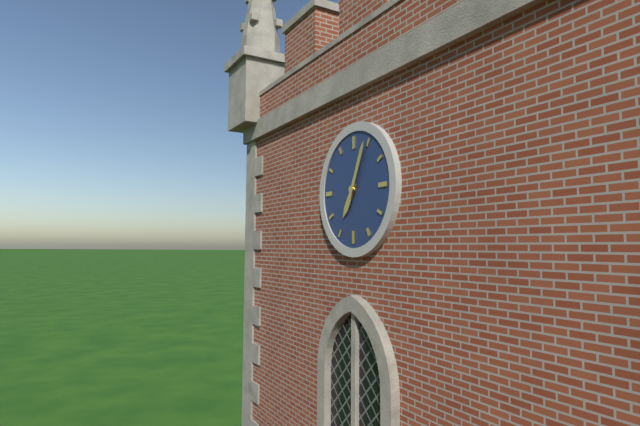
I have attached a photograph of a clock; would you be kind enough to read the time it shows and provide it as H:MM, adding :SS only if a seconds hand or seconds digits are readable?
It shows 7:04
